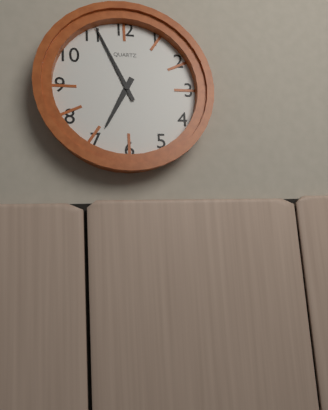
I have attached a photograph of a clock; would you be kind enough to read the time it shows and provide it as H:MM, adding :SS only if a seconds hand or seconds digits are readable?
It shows 6:56
